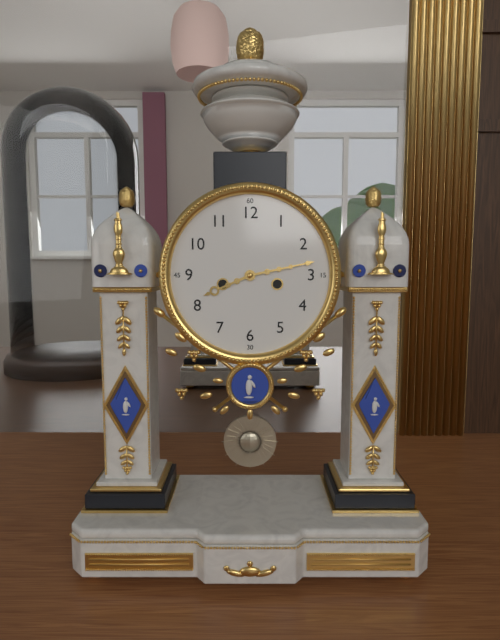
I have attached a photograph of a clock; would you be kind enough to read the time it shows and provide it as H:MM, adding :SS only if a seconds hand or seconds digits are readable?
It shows 8:13
